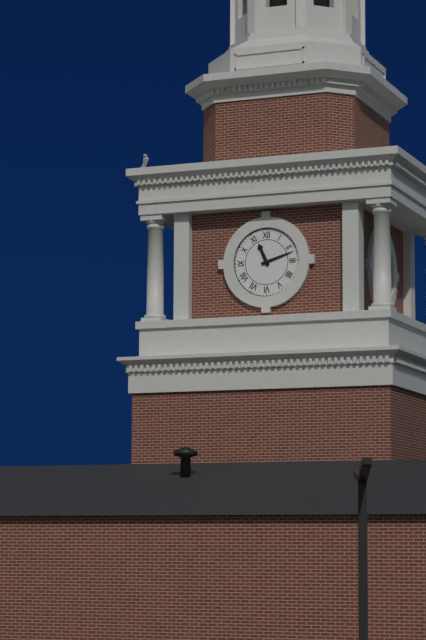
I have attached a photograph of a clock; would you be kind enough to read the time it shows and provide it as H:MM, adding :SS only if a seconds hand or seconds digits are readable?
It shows 11:12
